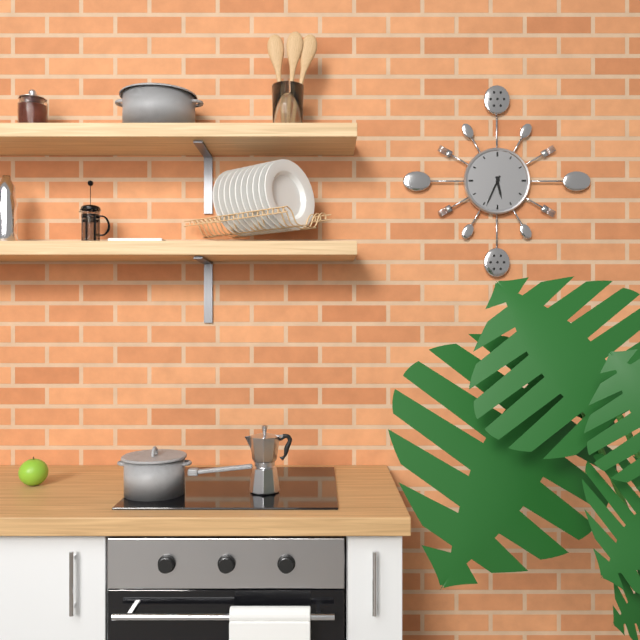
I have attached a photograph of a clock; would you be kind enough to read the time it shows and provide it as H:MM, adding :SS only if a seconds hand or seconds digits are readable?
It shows 5:34
